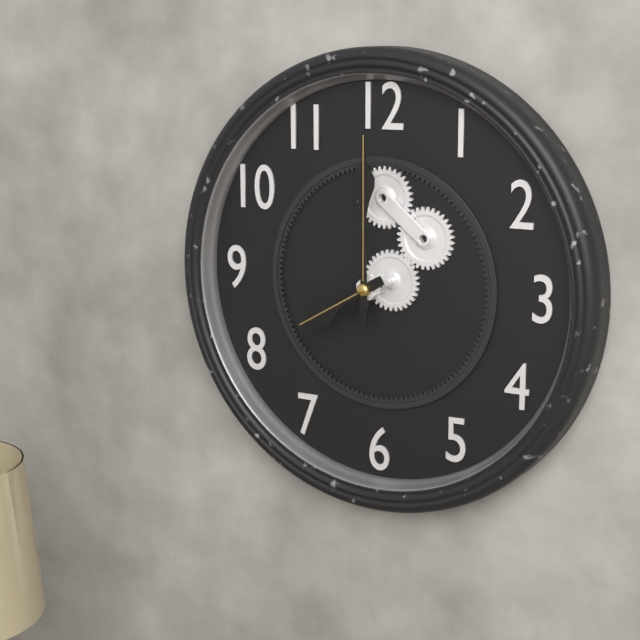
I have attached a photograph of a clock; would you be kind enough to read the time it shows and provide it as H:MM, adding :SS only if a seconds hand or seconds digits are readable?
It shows 8:00
